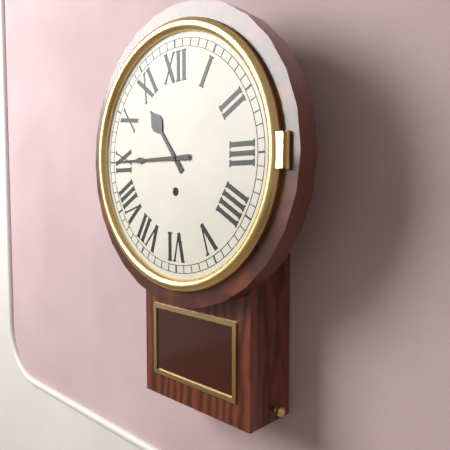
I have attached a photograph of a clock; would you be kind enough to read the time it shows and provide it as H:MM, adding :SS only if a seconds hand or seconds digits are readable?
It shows 10:45
